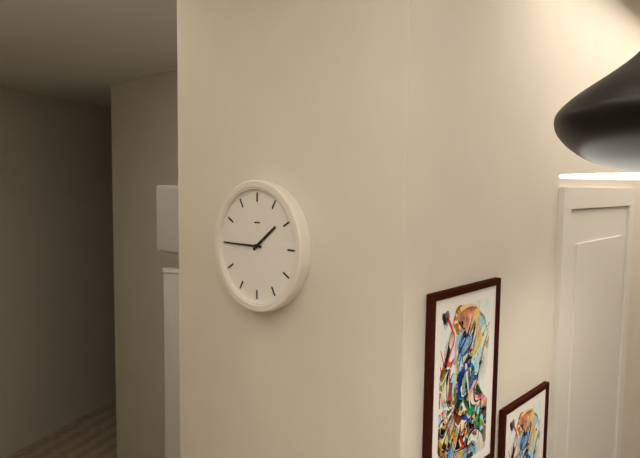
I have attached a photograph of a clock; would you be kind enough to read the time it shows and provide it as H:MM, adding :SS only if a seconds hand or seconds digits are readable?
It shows 1:45
